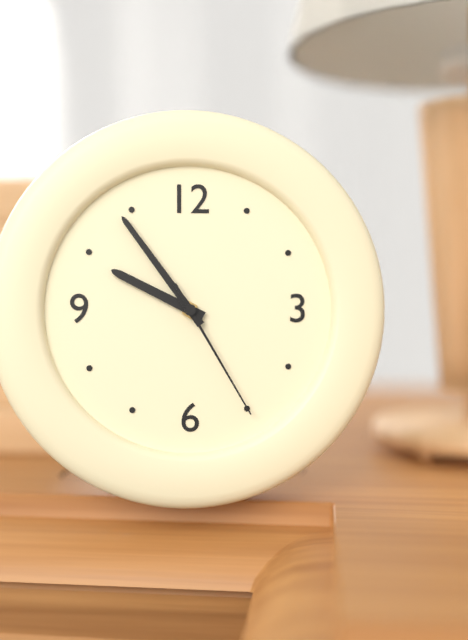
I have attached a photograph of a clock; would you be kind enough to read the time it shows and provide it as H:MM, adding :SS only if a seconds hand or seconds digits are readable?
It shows 9:54:25
